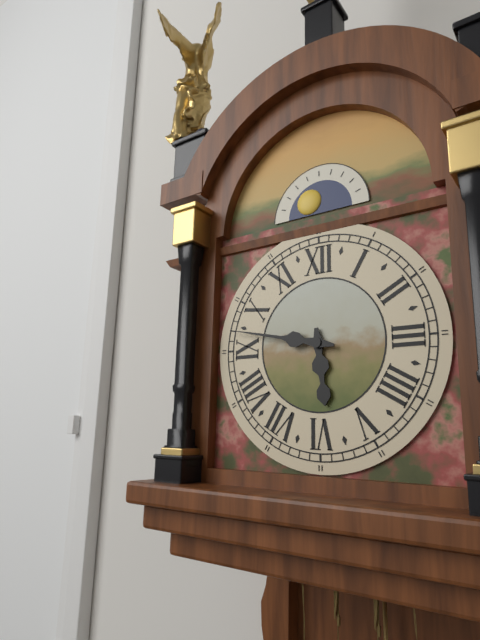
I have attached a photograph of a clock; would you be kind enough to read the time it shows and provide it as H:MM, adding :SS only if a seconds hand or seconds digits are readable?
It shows 5:47
